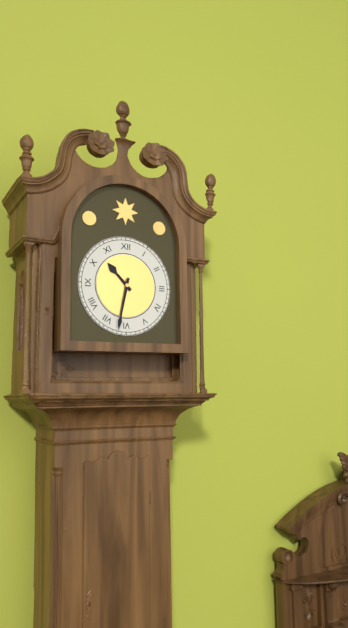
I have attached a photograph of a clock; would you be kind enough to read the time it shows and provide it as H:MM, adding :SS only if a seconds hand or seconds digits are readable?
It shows 10:32
